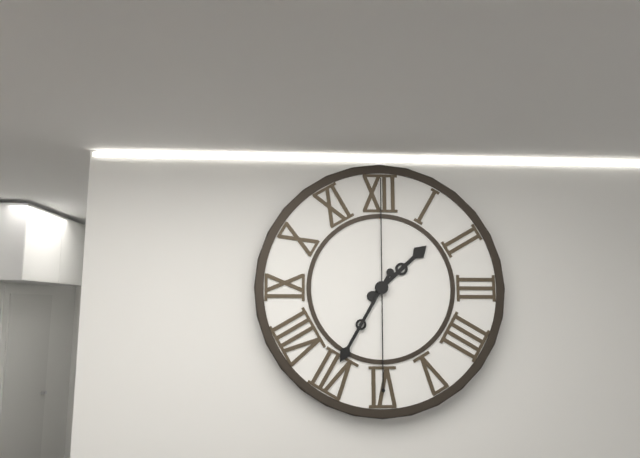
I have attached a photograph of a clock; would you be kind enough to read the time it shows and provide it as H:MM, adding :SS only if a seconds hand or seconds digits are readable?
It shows 1:35:00
